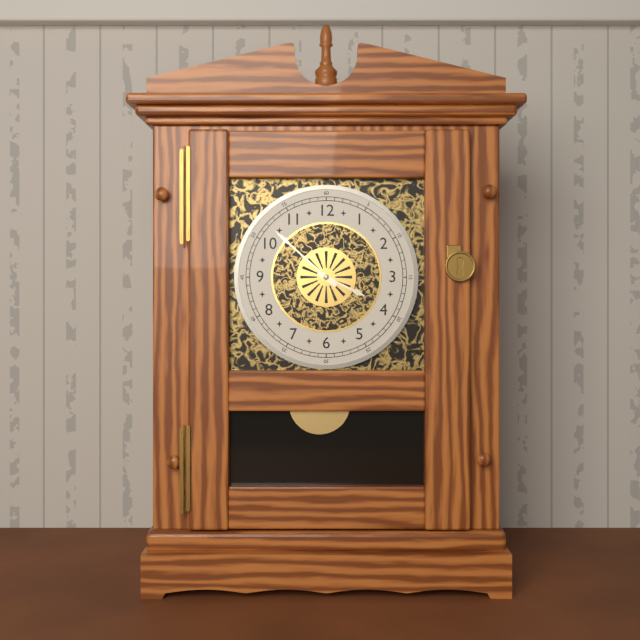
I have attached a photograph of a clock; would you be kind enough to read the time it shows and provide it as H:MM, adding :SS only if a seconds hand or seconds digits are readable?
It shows 3:52
